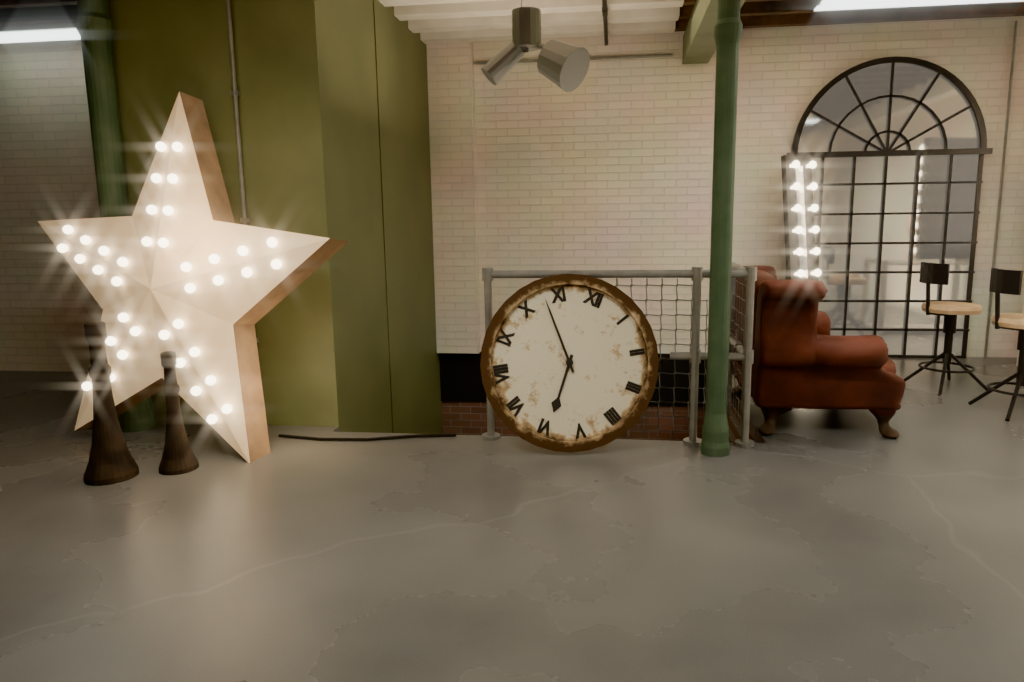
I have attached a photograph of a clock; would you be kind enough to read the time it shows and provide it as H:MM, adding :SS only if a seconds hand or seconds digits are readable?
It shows 5:53
